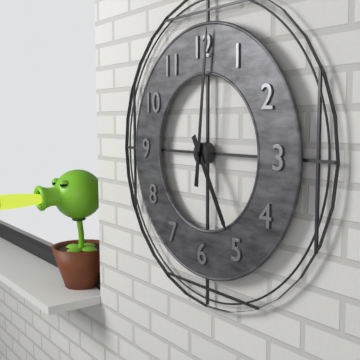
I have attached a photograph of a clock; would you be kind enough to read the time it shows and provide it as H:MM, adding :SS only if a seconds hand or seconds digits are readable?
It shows 5:01
